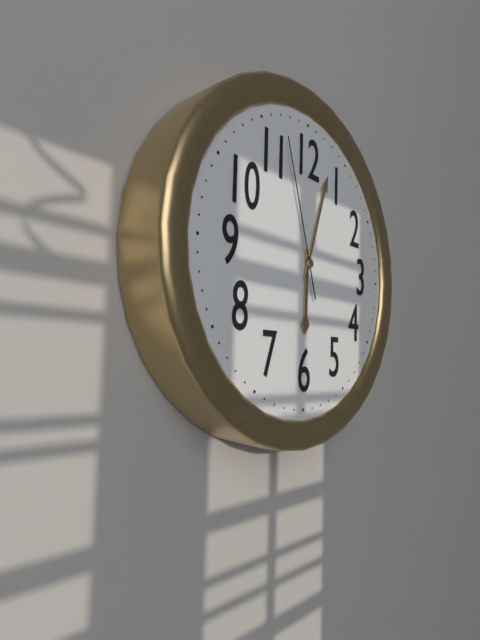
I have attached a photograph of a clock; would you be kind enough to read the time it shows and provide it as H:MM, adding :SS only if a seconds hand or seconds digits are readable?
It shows 6:03:57
